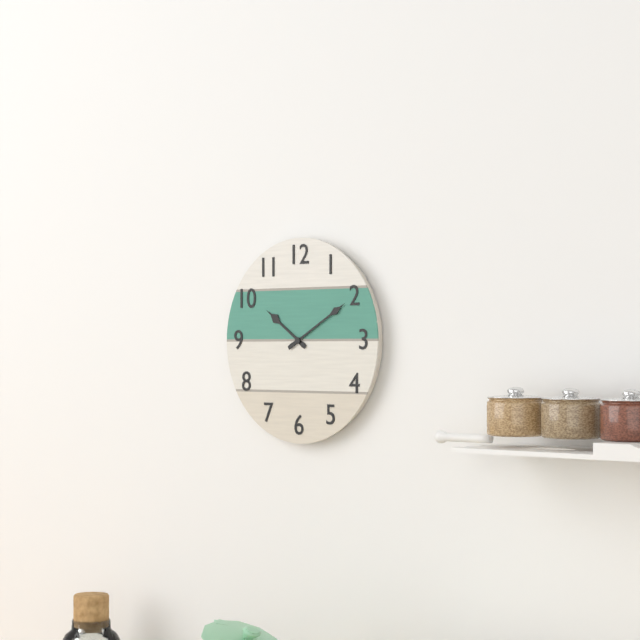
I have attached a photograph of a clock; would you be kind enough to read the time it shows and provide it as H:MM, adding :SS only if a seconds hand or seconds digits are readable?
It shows 10:10
